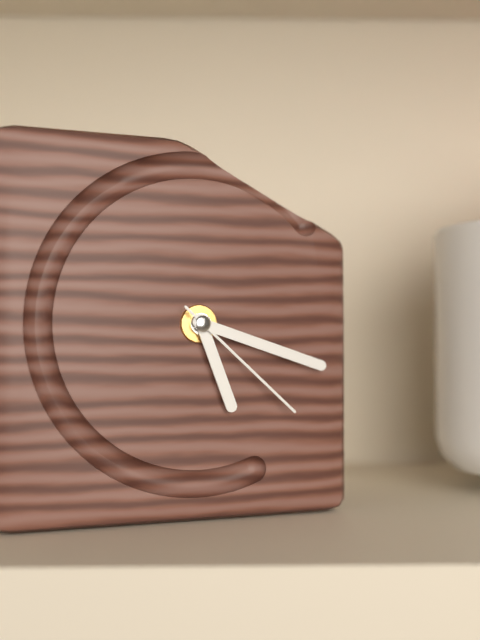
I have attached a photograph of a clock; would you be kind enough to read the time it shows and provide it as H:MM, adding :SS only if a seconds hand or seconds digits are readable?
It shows 5:18:22
